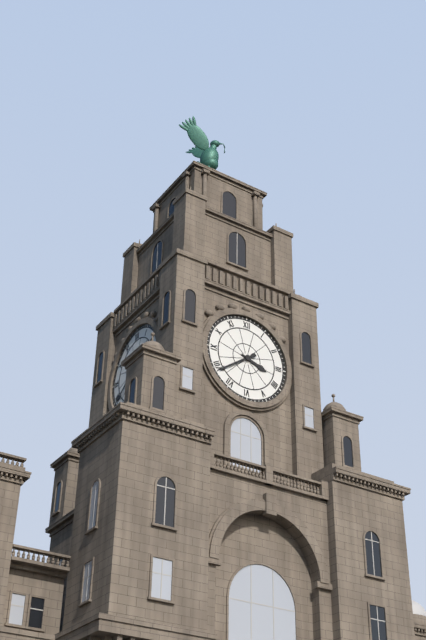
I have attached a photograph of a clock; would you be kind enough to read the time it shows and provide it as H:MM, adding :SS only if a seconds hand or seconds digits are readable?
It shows 3:39
